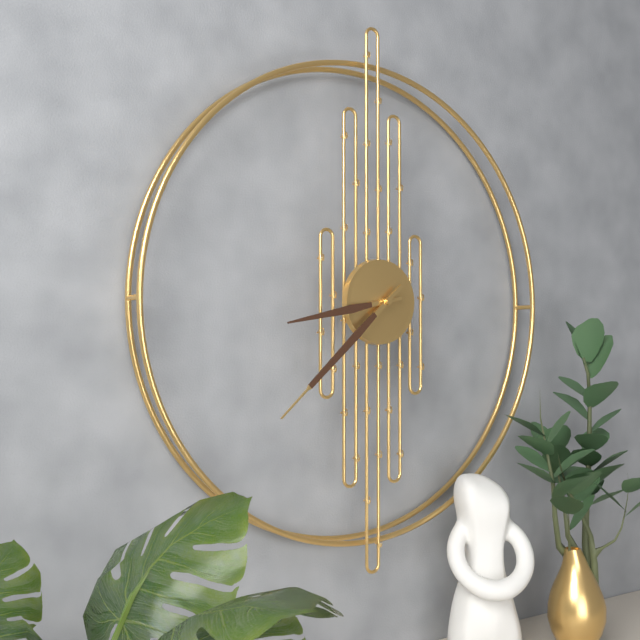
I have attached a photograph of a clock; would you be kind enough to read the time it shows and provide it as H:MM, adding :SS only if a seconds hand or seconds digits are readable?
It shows 8:38
